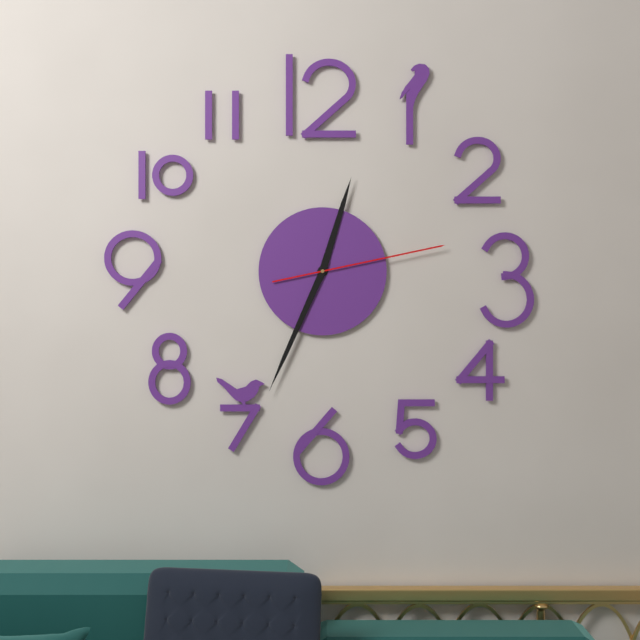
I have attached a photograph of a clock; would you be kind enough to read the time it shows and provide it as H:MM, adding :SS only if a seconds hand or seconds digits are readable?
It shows 12:34:13
